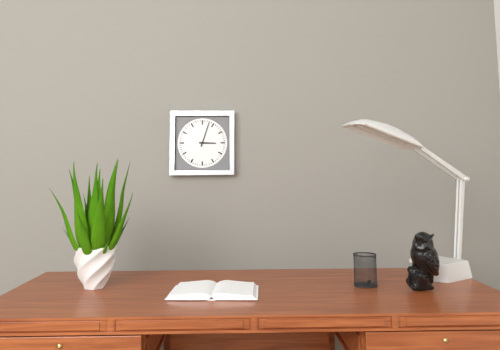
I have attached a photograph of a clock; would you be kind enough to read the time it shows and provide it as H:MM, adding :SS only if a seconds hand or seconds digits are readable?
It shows 3:03
